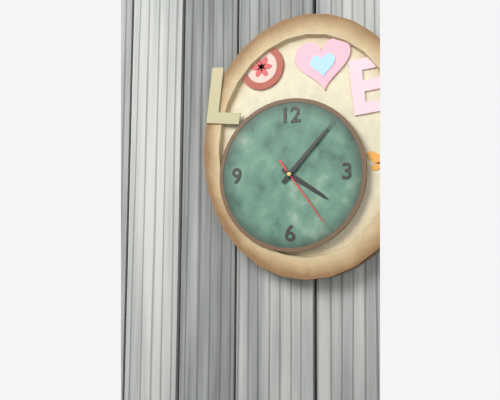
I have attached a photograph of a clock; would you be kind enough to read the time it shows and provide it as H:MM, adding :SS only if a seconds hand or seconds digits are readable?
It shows 4:07:24
